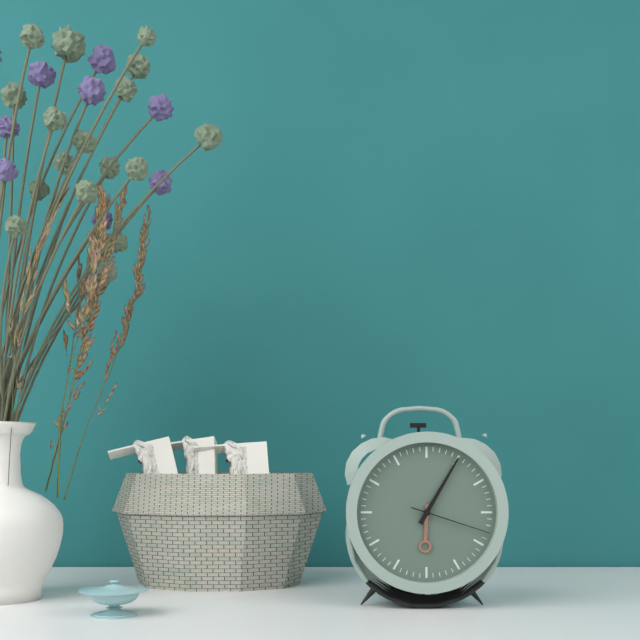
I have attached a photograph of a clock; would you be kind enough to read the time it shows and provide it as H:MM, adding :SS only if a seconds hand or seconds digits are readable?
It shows 6:05:18
